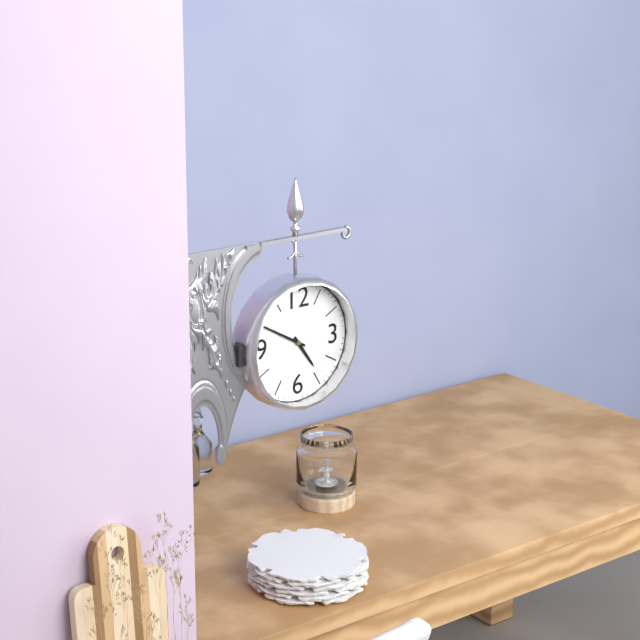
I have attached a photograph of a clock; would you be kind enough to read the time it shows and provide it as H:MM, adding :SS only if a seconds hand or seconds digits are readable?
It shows 4:50
